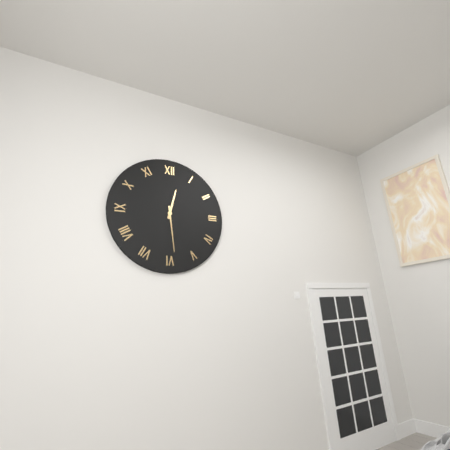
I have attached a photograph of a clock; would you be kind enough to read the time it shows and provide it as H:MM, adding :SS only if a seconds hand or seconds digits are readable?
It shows 12:29
